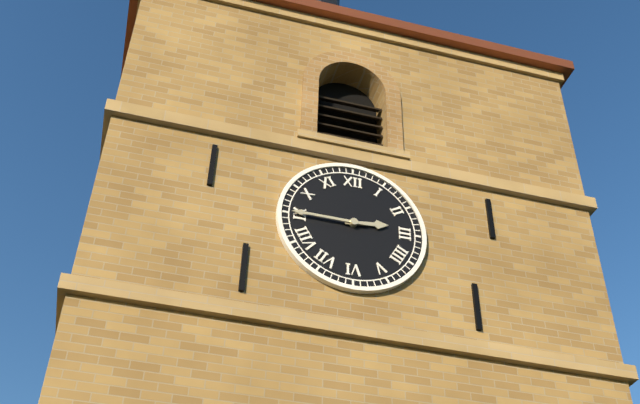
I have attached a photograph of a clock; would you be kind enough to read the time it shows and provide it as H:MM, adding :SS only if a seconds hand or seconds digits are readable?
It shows 2:45
